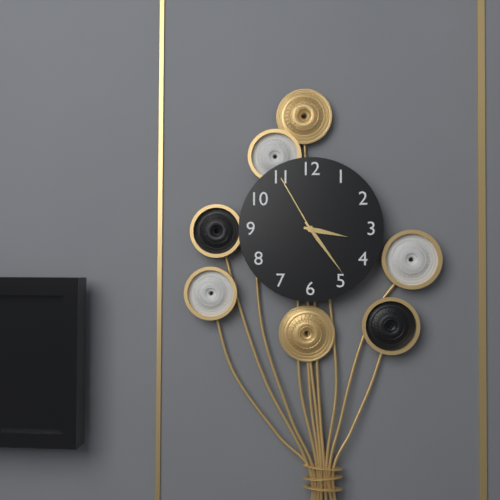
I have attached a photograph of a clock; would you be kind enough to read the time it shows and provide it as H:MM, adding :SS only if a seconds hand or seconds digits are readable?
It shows 3:24:55
